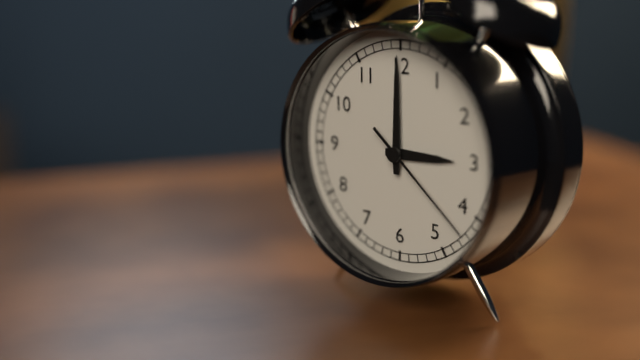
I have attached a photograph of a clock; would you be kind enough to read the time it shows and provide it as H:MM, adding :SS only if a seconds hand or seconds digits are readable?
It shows 3:00:22
